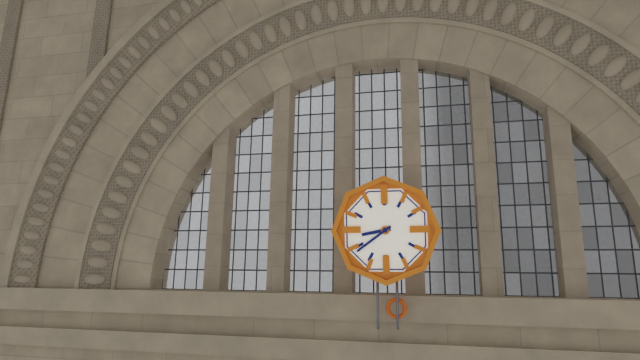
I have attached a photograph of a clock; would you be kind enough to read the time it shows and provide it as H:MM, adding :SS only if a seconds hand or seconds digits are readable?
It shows 8:39
